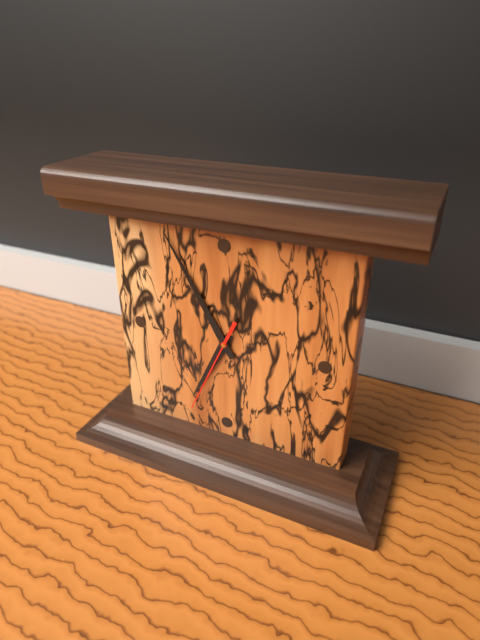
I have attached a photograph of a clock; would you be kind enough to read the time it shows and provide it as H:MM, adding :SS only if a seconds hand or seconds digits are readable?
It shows 6:55:34
